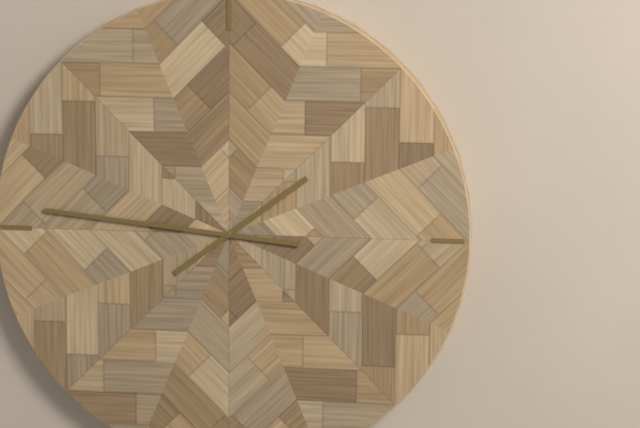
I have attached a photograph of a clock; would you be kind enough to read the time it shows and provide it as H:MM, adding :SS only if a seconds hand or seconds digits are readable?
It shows 1:46
